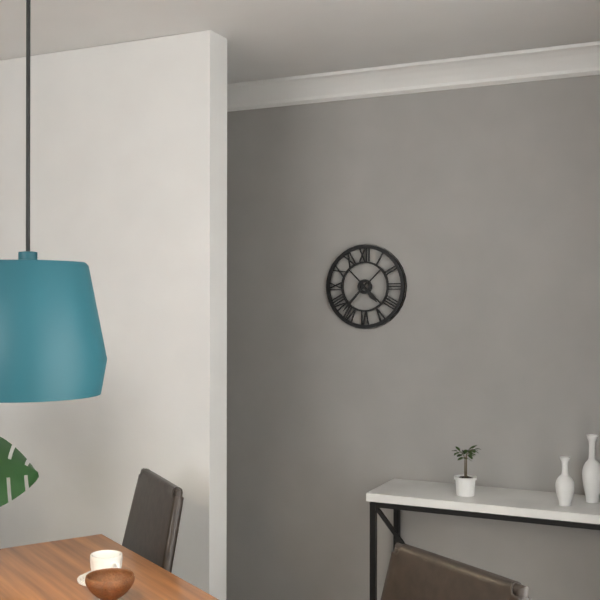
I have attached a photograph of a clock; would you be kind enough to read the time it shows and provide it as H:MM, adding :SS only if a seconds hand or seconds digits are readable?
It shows 4:37
